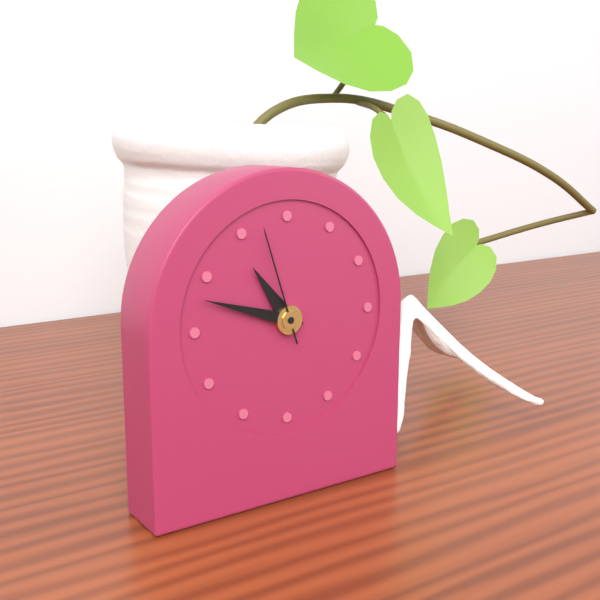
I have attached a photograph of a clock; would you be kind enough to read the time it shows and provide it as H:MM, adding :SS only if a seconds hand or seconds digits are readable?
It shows 10:48:57
